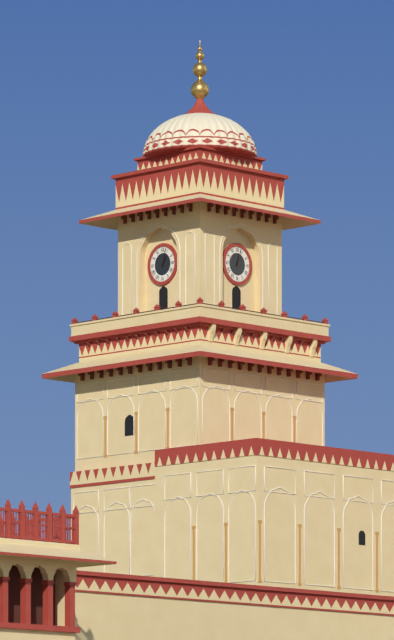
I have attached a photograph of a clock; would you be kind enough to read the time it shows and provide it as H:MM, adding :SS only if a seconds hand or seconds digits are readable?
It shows 1:03
